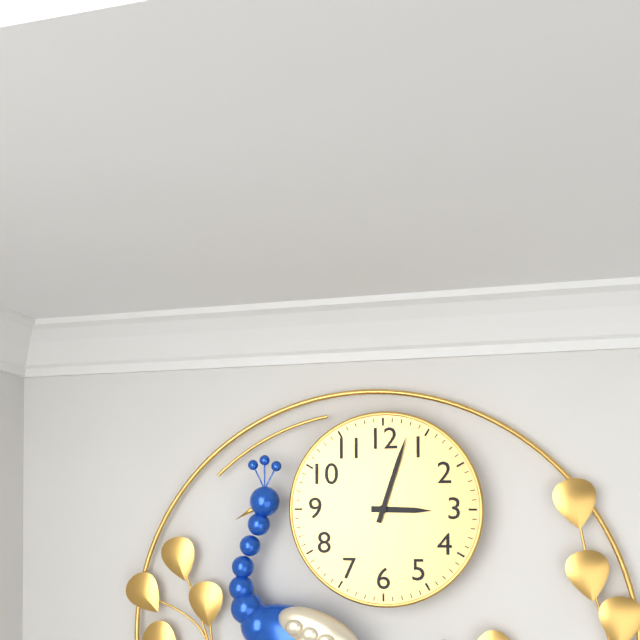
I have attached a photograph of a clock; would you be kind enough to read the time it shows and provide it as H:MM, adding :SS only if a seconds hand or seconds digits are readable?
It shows 3:03
